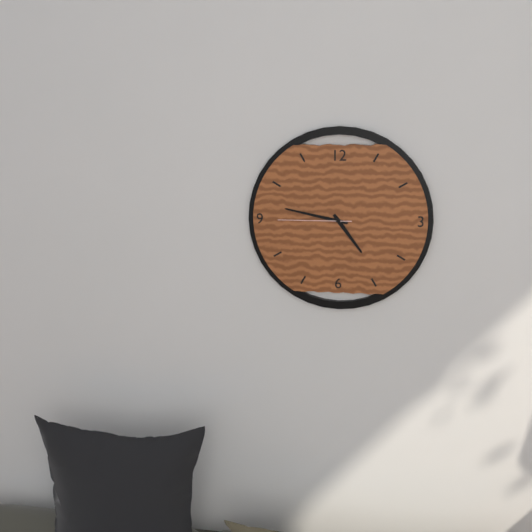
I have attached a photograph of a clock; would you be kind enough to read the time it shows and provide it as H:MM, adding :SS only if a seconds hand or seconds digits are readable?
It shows 4:47:45
